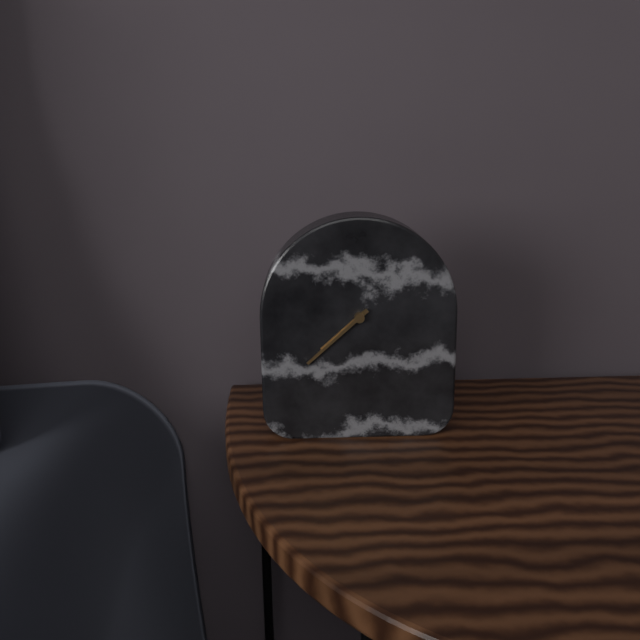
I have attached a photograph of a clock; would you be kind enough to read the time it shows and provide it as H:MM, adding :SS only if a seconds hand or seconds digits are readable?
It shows 7:38
